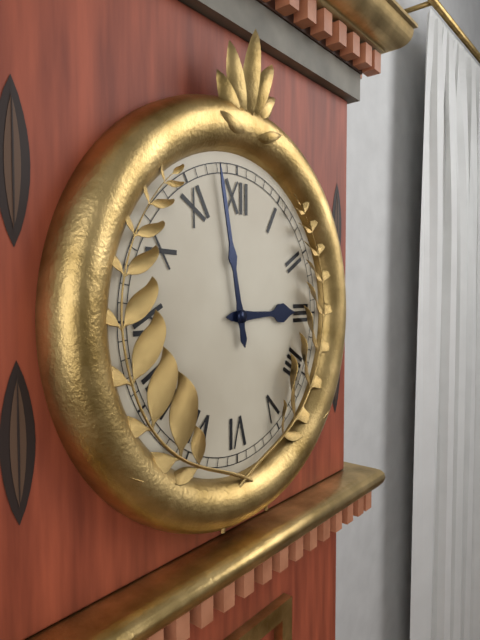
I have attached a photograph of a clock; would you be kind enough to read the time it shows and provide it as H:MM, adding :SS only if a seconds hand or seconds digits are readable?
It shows 2:58
